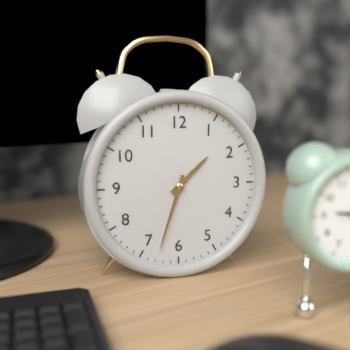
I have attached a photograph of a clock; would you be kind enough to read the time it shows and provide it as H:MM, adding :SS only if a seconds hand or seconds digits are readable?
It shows 1:33
